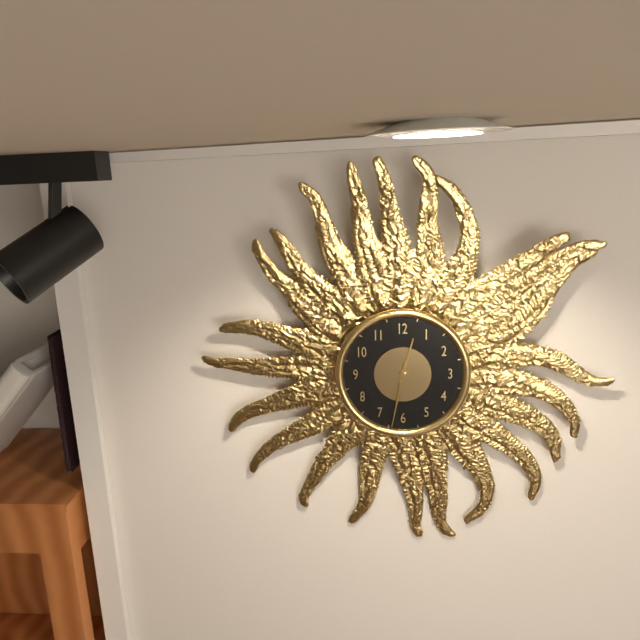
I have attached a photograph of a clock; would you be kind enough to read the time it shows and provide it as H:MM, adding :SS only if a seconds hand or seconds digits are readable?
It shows 12:32
